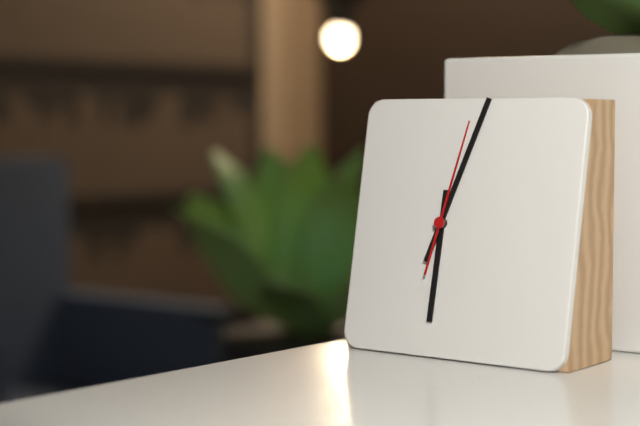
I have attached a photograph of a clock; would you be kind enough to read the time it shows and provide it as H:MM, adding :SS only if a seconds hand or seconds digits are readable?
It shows 6:03:02
